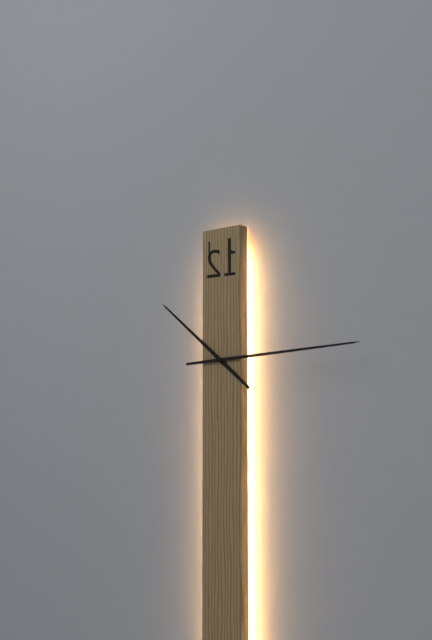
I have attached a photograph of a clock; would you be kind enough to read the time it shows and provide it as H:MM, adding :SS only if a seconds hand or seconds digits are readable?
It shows 10:14
